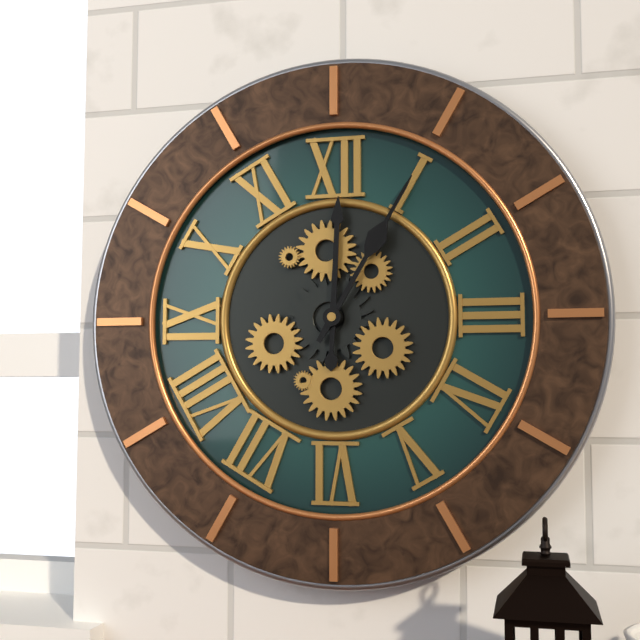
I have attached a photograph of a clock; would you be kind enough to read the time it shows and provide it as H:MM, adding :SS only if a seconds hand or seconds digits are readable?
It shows 12:05
